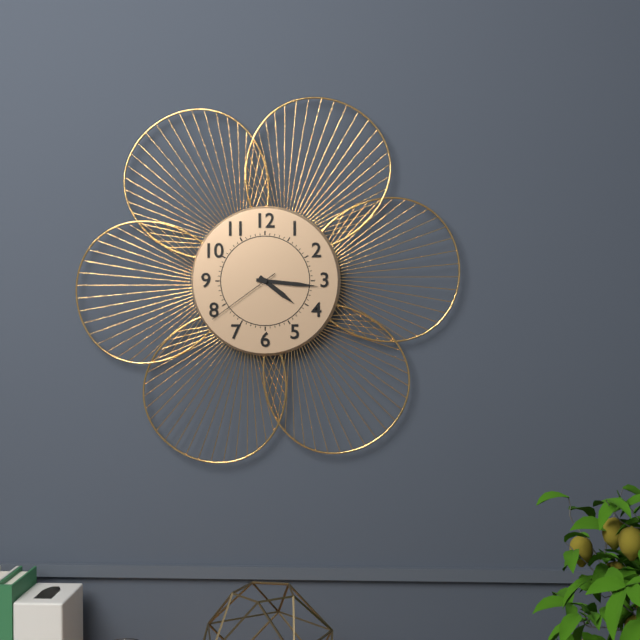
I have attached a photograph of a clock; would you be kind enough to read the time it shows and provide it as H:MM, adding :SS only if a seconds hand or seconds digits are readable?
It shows 4:16:39
